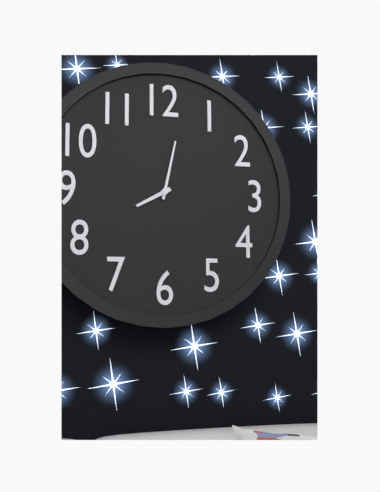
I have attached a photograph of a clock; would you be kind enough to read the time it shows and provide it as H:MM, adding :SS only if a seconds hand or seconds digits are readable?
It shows 8:02
